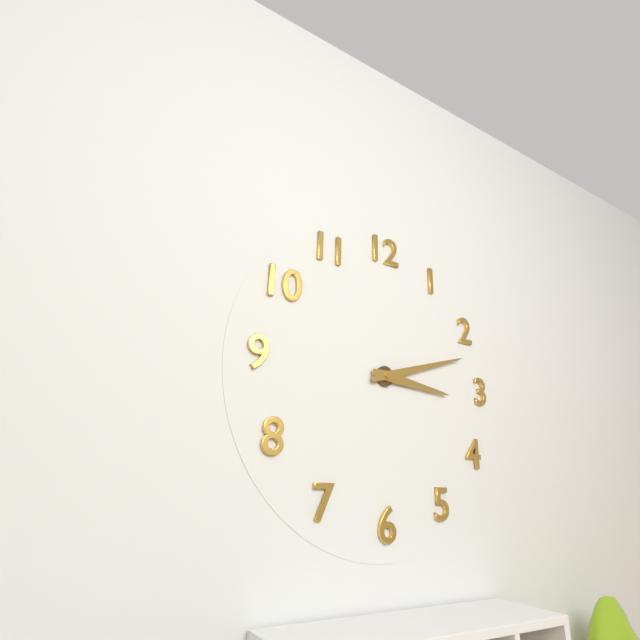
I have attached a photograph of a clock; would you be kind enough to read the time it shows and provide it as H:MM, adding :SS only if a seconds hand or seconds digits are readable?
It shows 3:12
